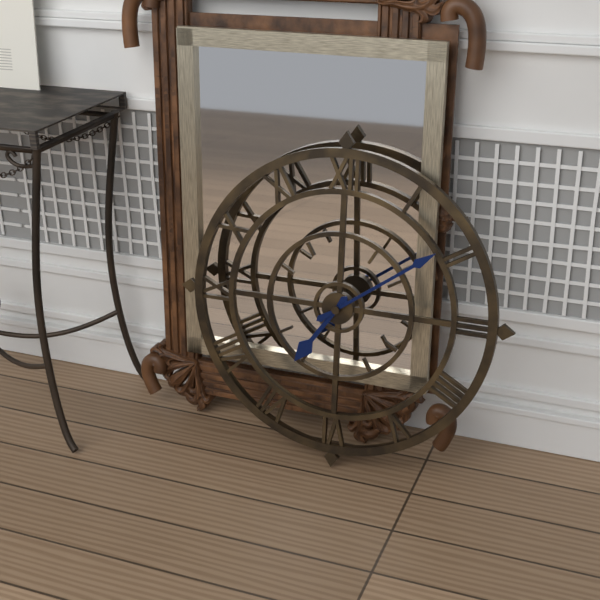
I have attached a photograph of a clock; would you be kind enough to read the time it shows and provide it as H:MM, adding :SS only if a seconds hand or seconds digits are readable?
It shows 7:09
